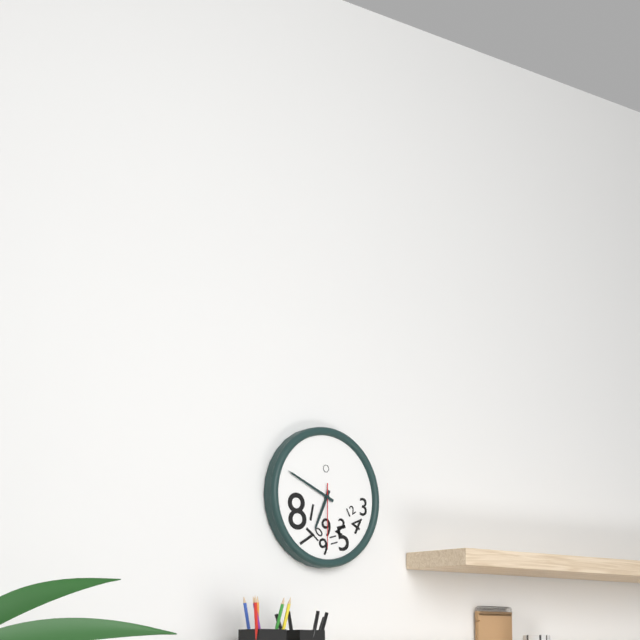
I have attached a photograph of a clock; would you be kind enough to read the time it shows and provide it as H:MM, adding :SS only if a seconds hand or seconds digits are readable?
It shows 6:49:30
